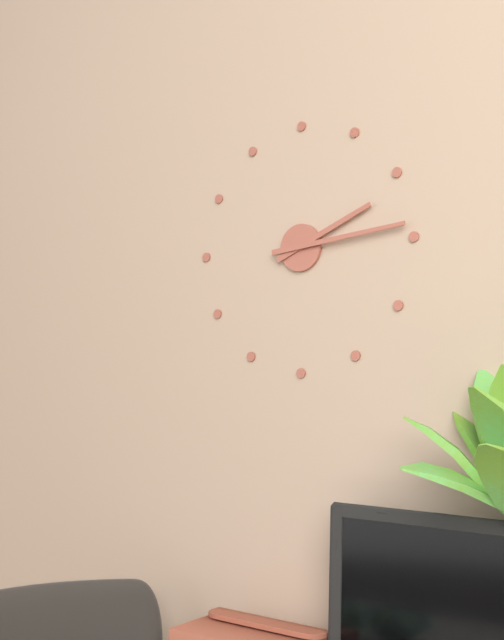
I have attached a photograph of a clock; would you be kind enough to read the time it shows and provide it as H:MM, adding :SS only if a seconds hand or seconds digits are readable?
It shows 2:14
